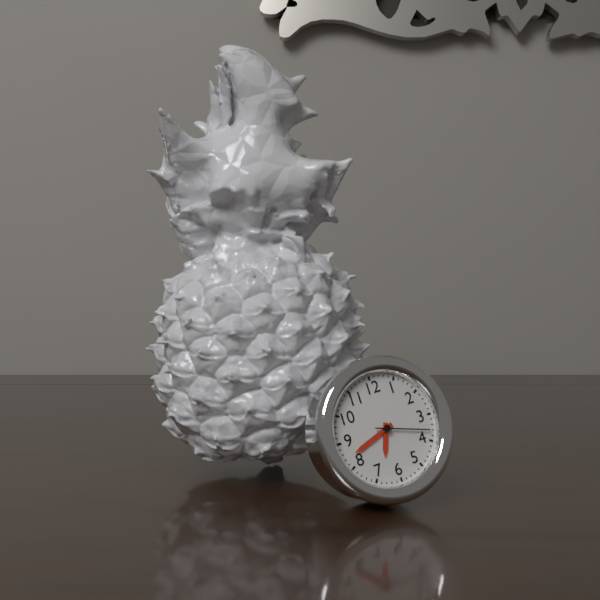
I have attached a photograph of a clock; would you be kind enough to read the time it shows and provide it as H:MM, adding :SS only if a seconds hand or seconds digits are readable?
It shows 6:42:18
